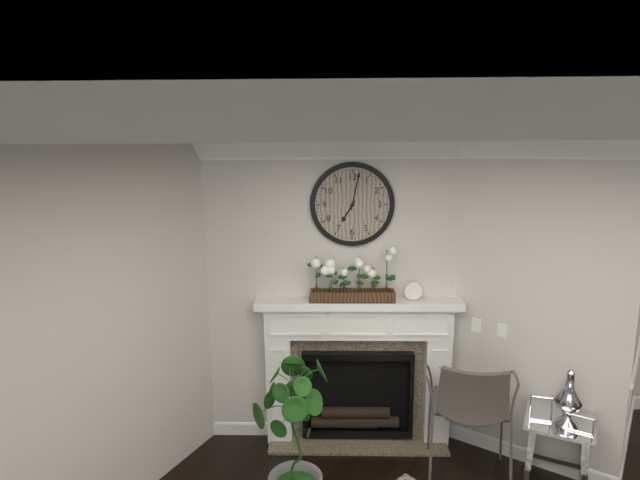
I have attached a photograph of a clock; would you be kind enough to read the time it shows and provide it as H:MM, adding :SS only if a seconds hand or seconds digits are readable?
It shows 7:02
